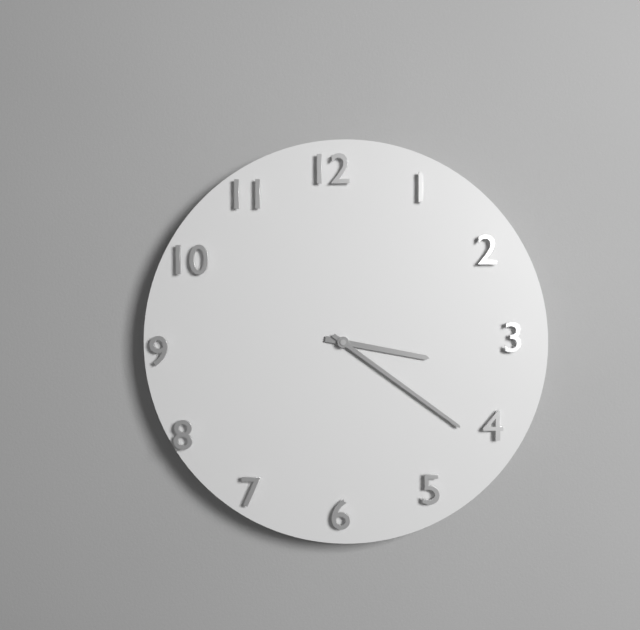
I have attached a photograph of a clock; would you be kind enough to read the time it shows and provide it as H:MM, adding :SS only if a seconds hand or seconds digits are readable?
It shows 3:21
